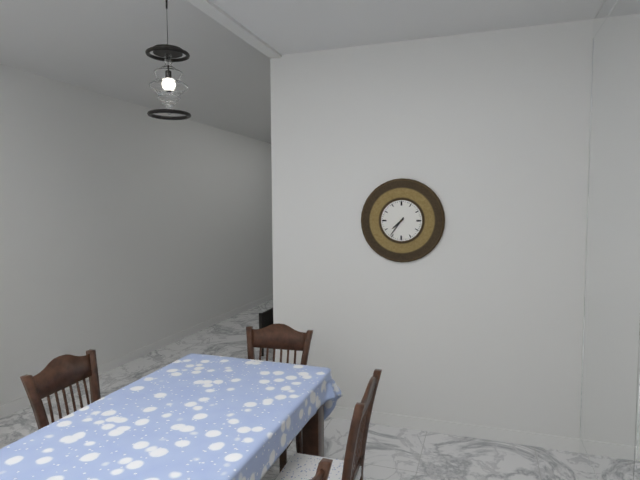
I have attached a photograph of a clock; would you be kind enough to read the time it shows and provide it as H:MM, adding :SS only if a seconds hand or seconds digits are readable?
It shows 7:36
